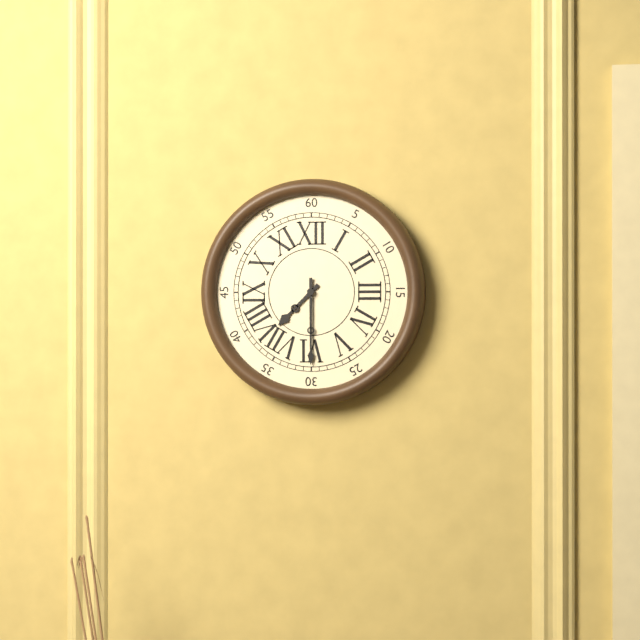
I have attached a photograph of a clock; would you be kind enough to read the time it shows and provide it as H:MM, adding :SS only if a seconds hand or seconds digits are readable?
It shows 7:30
